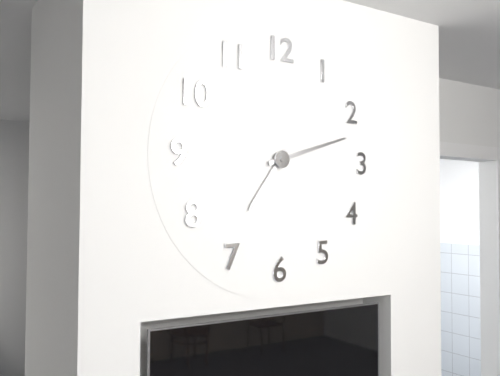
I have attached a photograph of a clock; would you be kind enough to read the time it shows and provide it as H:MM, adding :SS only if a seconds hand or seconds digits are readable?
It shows 7:12
